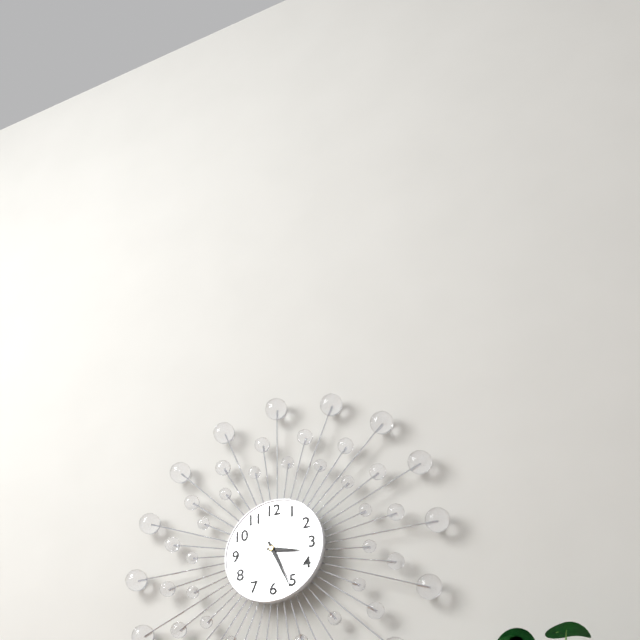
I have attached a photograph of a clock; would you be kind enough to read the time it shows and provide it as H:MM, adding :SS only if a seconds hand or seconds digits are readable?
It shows 3:26
